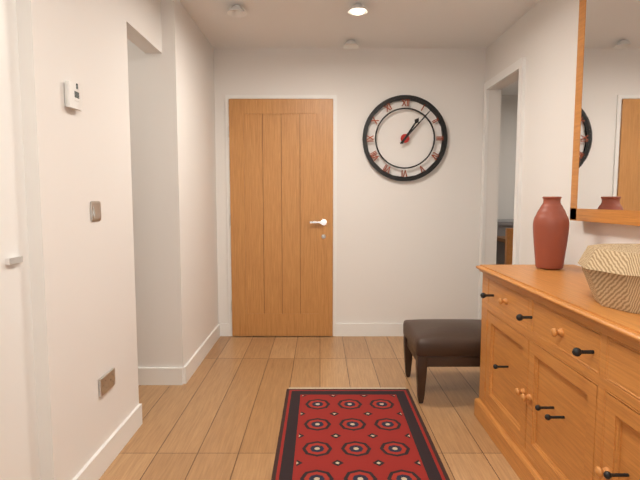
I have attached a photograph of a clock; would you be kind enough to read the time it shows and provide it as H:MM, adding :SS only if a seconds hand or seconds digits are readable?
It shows 1:07
